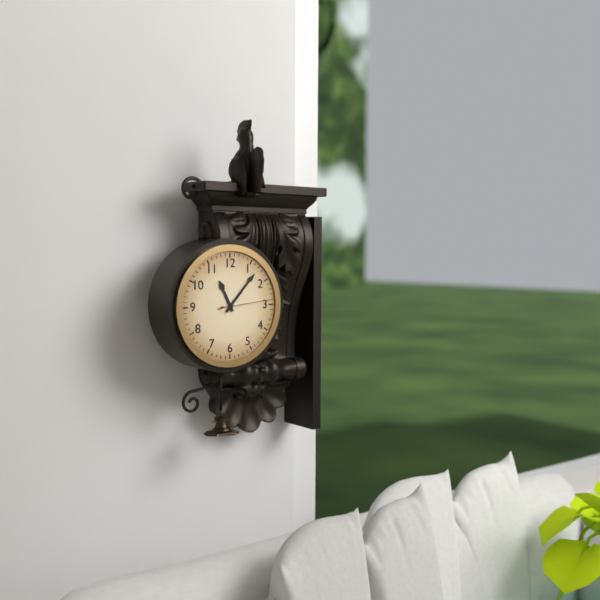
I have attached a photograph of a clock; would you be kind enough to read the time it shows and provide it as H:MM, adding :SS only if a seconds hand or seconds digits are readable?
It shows 11:07
